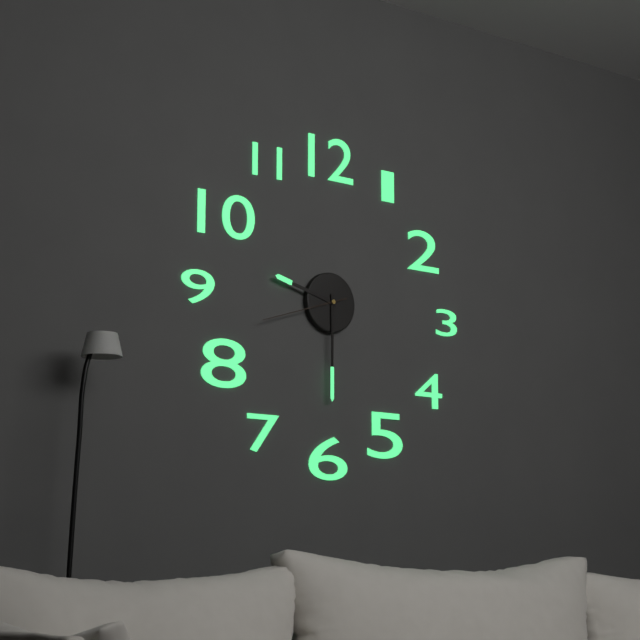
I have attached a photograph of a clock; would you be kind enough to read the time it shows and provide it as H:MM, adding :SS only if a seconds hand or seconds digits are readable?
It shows 9:30:42
